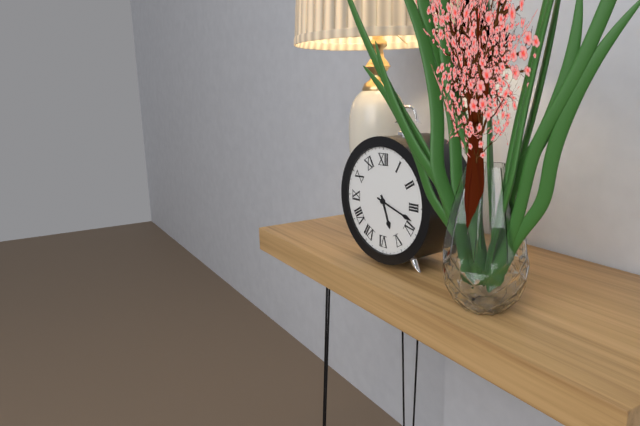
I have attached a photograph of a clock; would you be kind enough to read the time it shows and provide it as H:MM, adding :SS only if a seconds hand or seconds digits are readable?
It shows 5:18
